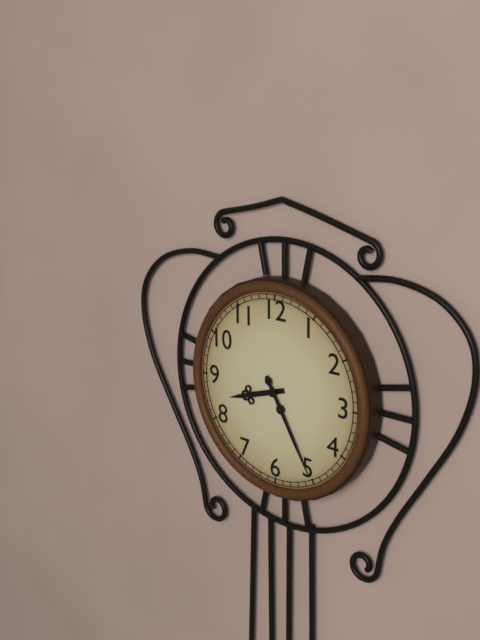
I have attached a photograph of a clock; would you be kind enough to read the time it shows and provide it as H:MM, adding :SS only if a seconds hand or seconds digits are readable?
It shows 8:25
